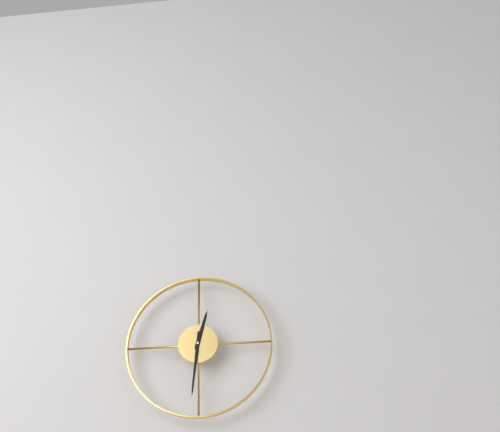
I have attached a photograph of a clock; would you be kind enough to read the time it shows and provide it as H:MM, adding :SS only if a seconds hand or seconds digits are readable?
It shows 12:31
